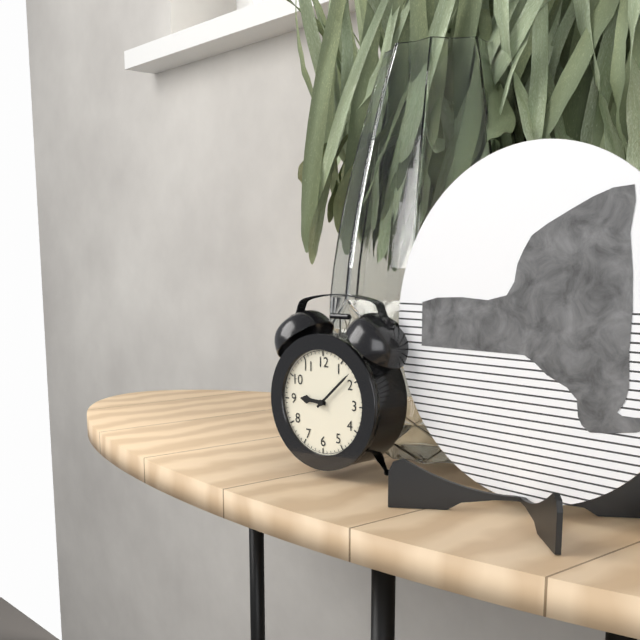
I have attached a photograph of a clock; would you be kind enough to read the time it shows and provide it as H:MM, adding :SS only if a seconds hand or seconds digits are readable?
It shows 9:08
